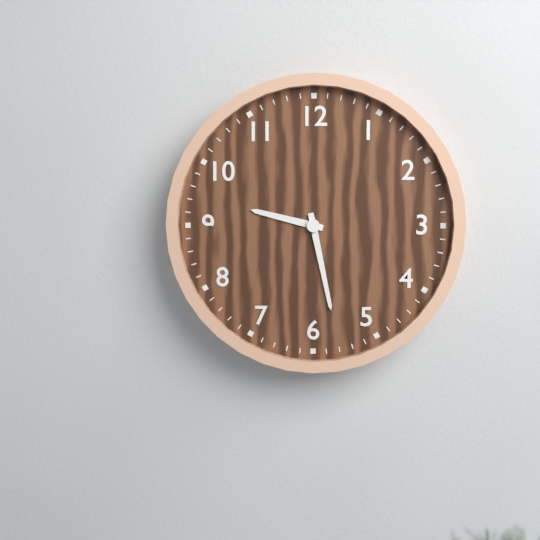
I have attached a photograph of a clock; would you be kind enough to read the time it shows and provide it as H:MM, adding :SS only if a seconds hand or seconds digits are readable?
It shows 9:28
